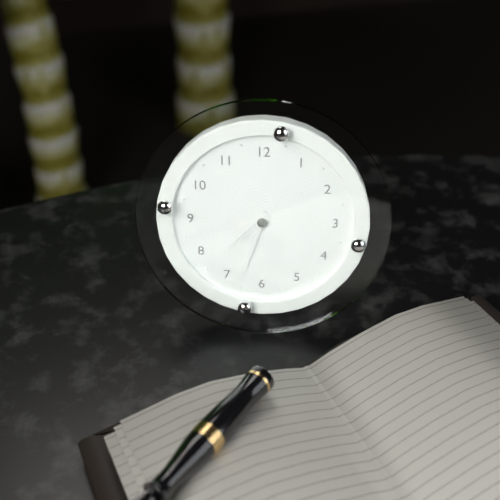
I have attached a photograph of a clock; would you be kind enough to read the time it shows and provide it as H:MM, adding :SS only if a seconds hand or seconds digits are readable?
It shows 7:33
